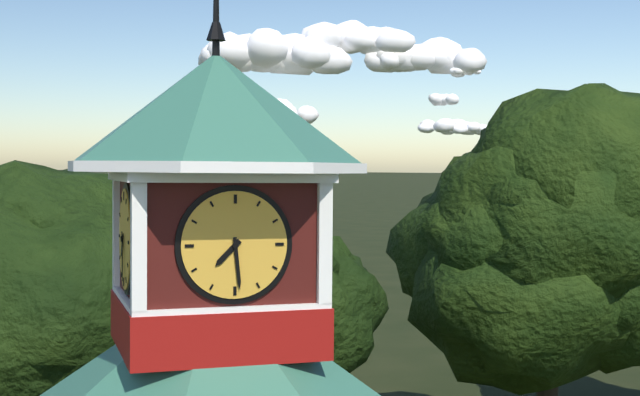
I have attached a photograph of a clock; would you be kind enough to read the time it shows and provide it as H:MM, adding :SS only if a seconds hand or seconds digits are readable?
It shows 7:29
